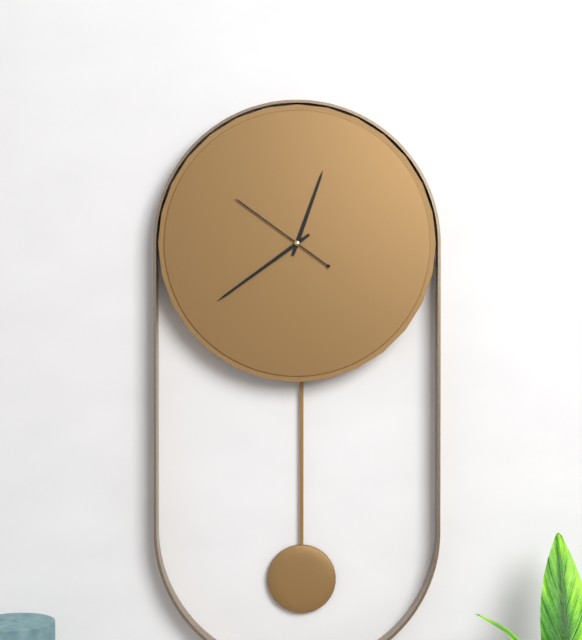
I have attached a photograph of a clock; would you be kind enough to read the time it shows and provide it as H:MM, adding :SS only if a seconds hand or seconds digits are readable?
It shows 12:39:51
